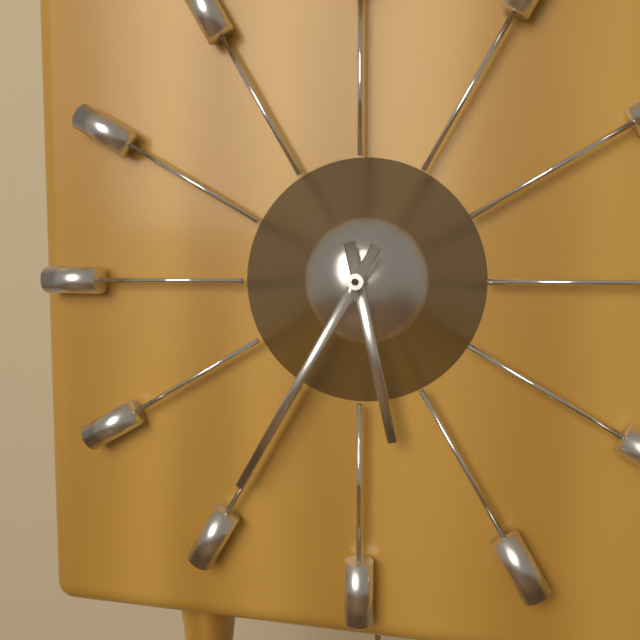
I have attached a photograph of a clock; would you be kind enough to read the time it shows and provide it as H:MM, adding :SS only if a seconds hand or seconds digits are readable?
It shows 5:35
